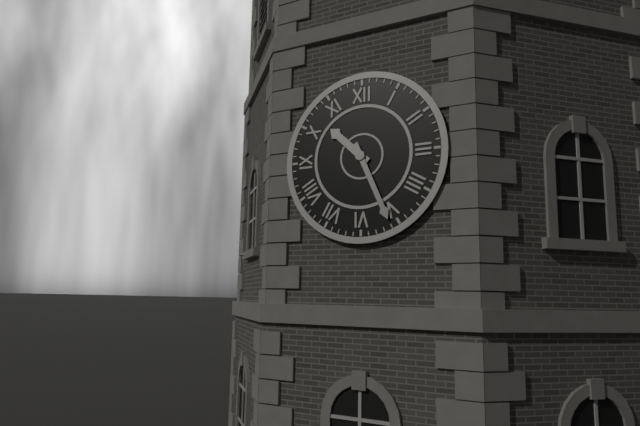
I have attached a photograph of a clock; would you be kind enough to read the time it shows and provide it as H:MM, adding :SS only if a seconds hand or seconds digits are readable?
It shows 10:26
